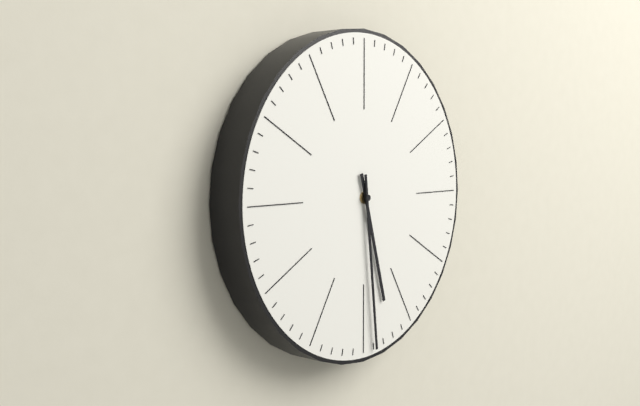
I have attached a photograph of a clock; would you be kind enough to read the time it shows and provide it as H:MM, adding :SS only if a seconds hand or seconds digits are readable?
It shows 5:29
